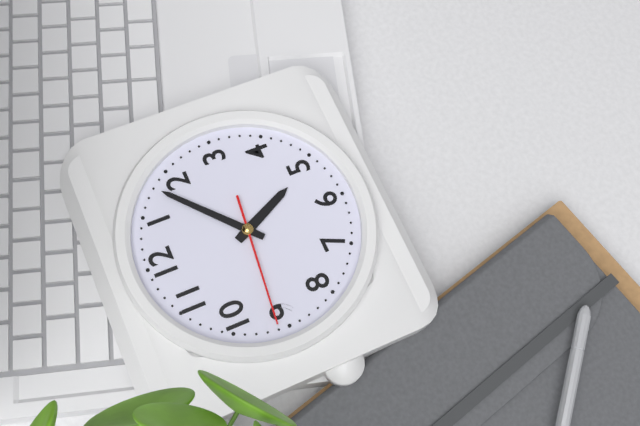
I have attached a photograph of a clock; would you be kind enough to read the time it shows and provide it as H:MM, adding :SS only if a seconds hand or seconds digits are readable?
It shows 5:08:46
